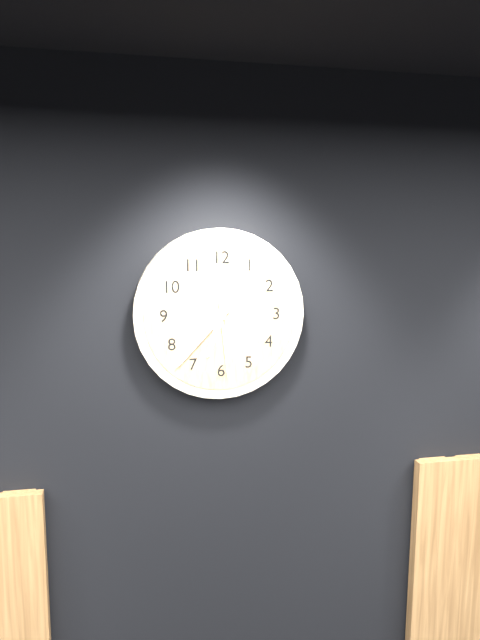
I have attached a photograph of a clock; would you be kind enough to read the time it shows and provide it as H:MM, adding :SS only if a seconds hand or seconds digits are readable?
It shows 6:37:29
